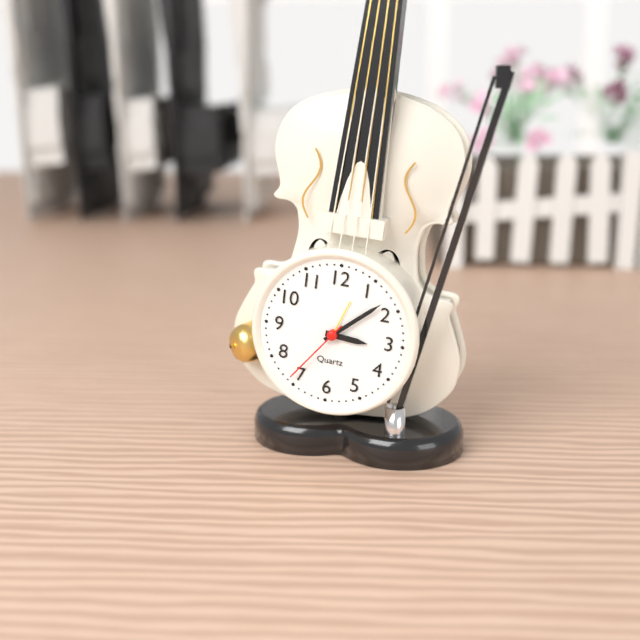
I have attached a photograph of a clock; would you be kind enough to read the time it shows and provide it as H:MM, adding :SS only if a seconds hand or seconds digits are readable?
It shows 3:08:36
